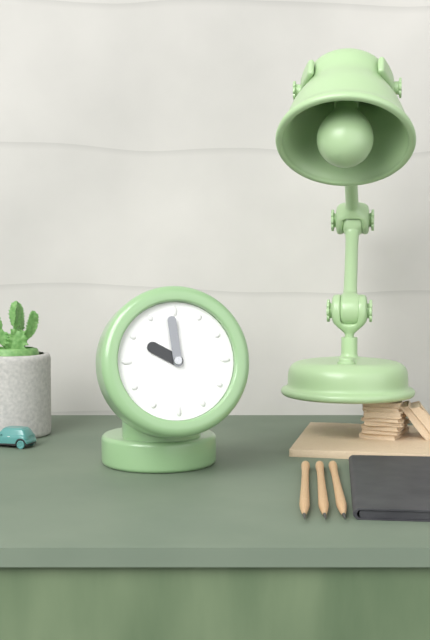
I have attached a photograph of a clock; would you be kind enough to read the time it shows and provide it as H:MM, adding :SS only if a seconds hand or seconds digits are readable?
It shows 9:59
